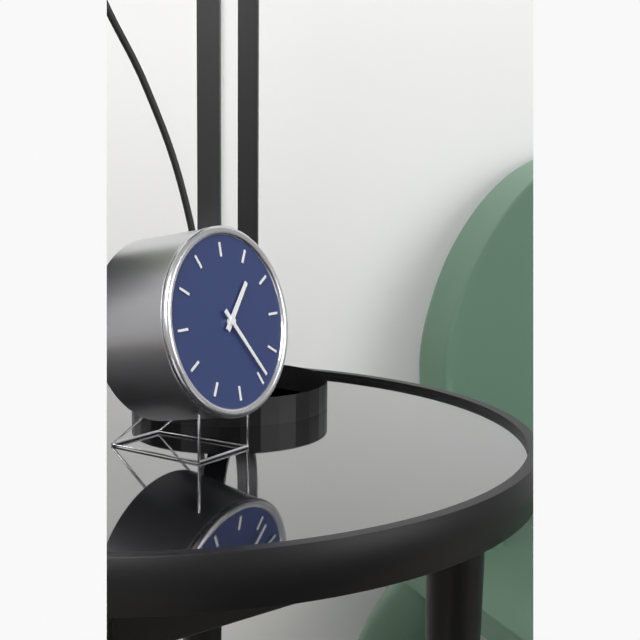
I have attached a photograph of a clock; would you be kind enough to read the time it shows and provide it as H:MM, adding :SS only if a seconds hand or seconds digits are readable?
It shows 1:24
